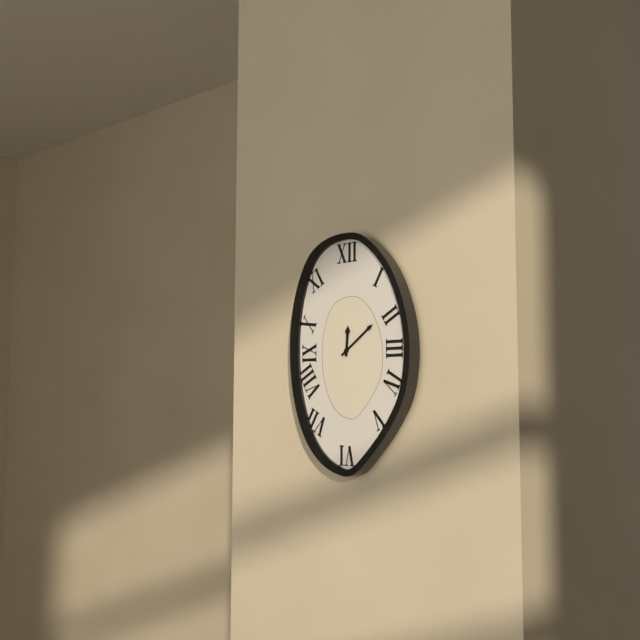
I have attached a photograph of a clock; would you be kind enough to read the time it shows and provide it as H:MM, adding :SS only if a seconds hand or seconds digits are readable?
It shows 12:09
